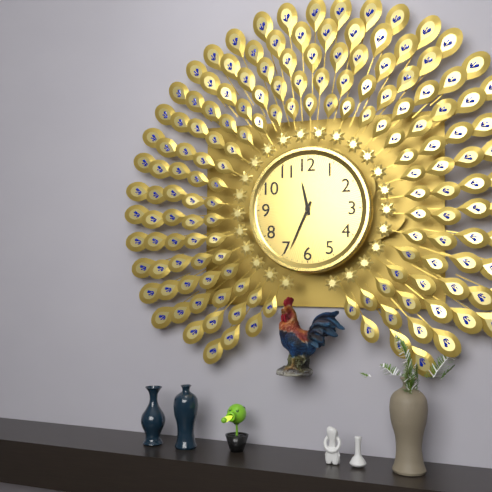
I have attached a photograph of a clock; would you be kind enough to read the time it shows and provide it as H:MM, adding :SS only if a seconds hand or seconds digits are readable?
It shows 11:34
